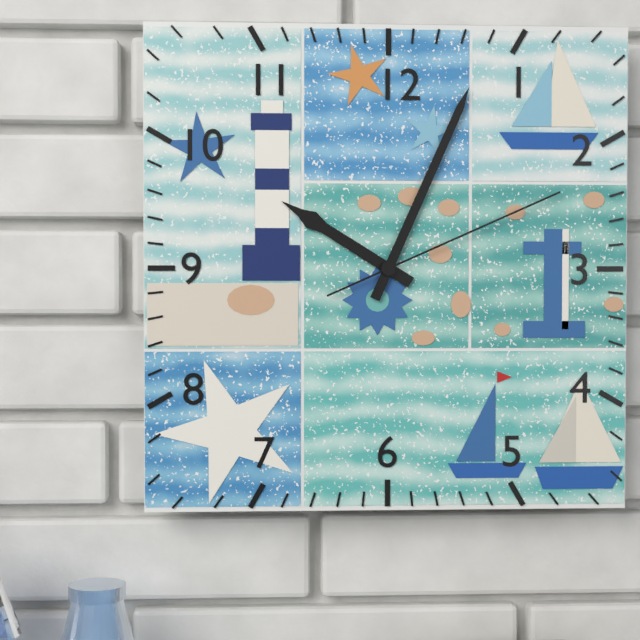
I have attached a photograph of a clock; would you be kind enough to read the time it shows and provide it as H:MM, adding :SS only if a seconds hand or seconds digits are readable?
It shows 10:04:11
